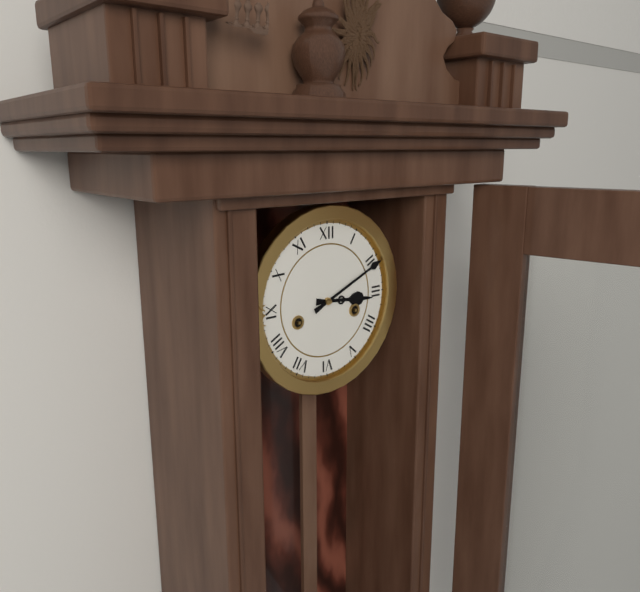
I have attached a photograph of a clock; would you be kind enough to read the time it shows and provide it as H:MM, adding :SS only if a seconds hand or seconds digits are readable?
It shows 3:11
